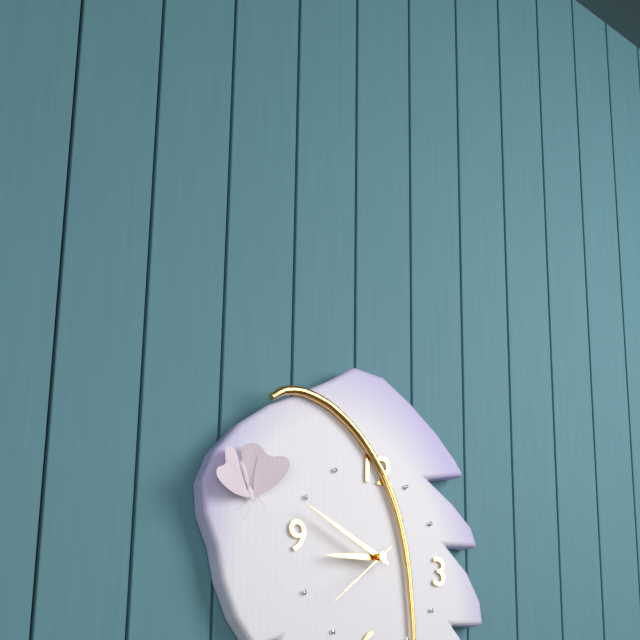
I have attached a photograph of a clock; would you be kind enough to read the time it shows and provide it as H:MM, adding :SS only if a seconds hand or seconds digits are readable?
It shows 8:49:38
